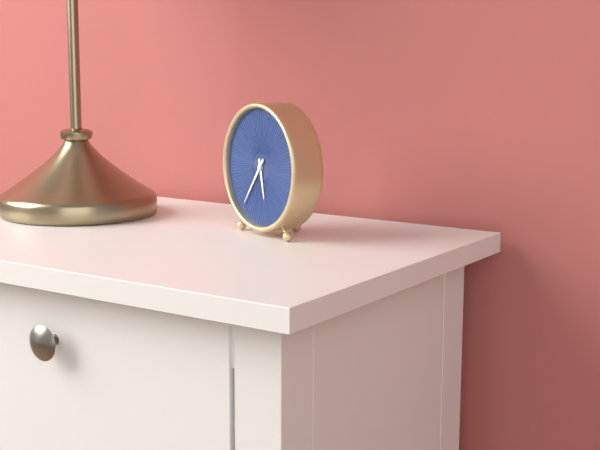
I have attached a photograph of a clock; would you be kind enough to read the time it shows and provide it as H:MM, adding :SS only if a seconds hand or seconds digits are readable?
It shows 5:36
